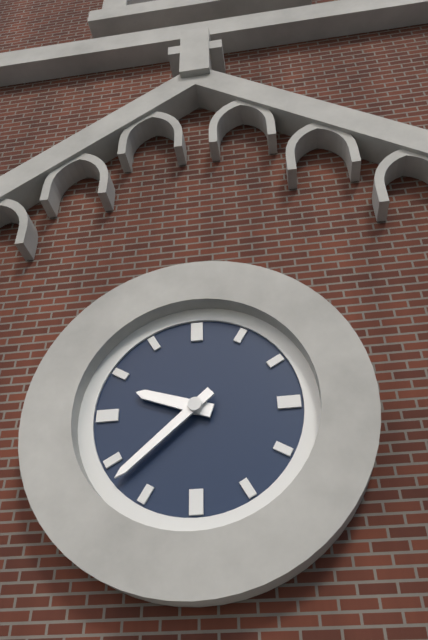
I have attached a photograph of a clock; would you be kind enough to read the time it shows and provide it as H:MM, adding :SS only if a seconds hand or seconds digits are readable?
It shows 9:38
